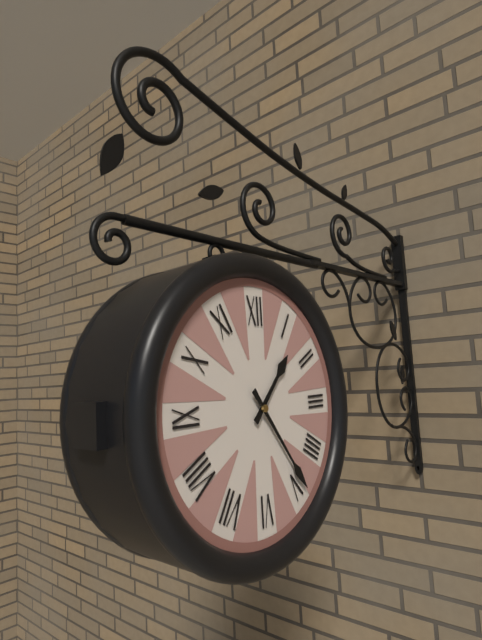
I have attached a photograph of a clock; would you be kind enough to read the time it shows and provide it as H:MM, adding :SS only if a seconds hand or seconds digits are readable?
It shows 1:24
